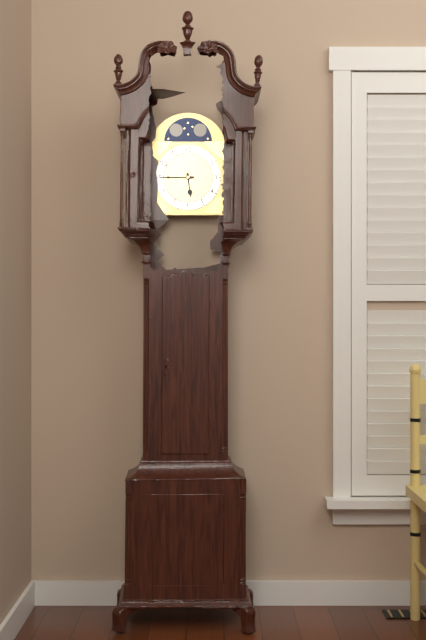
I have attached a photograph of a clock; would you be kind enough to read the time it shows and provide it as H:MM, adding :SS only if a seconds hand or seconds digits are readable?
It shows 5:45
